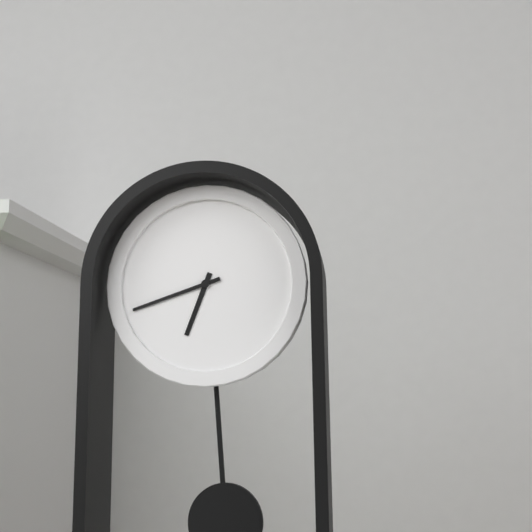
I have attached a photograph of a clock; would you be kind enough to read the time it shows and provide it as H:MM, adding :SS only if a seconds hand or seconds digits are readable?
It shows 6:42
